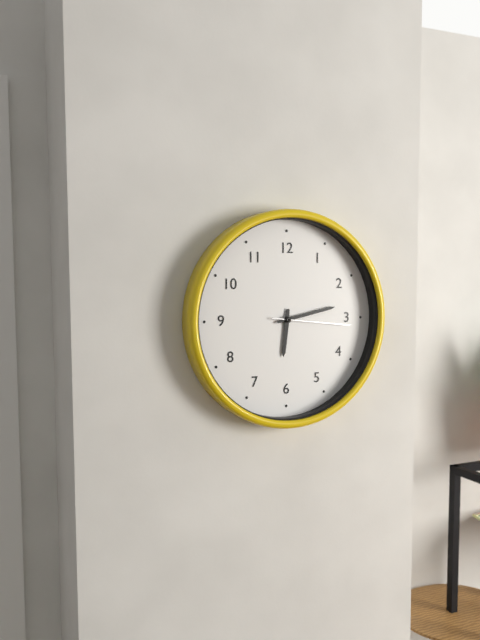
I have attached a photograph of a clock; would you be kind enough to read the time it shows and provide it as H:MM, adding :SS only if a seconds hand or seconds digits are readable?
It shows 6:13:16
